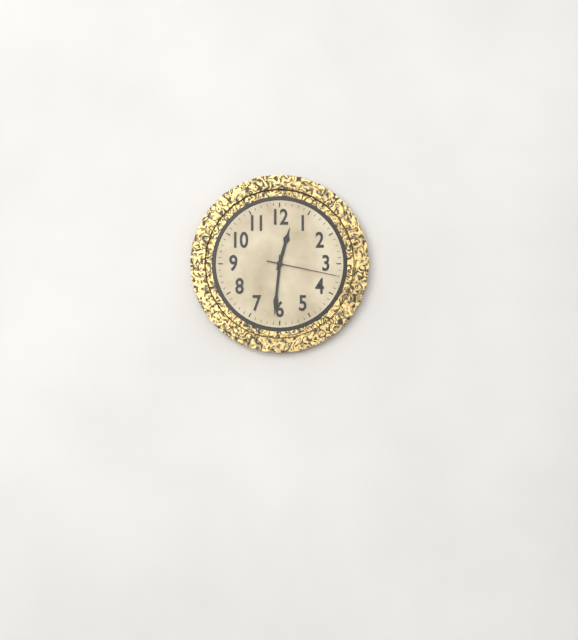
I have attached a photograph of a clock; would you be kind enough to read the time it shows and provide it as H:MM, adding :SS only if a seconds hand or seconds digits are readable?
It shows 12:31:17
